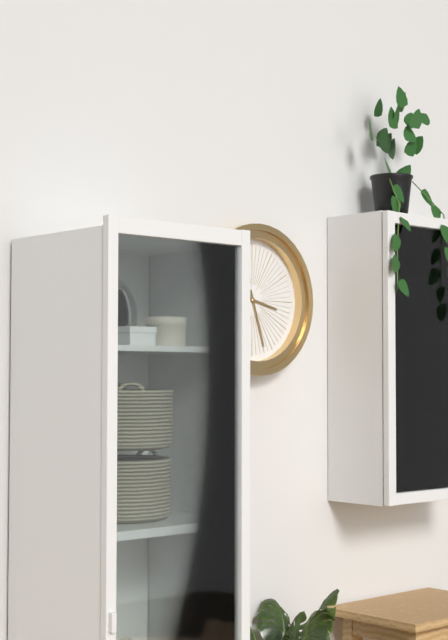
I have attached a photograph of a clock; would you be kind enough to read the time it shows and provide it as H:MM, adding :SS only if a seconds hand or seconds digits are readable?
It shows 3:27
